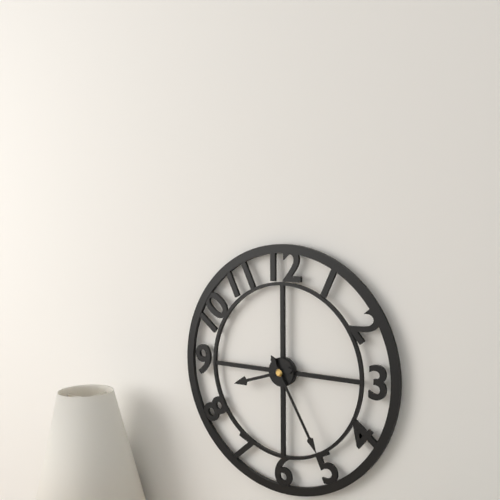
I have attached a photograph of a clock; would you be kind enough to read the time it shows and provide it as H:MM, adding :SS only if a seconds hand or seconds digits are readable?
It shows 8:25
